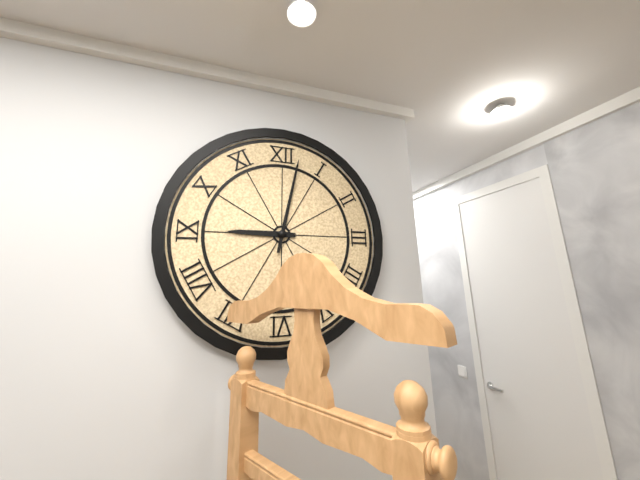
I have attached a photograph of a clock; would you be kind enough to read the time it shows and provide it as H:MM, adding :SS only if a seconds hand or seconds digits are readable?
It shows 9:02
